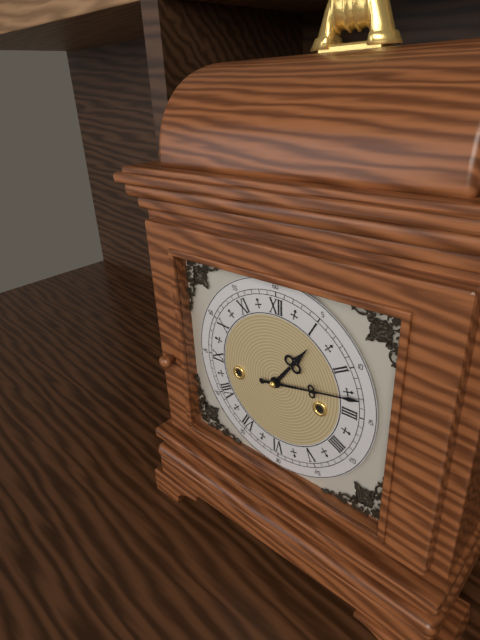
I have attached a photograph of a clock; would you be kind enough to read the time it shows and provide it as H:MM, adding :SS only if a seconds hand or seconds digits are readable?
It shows 1:13
